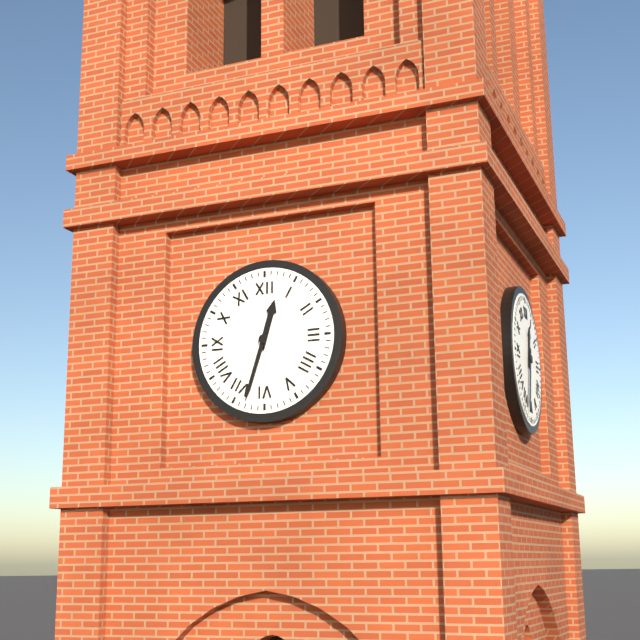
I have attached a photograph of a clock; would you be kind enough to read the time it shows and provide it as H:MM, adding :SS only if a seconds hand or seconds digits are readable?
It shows 12:33
